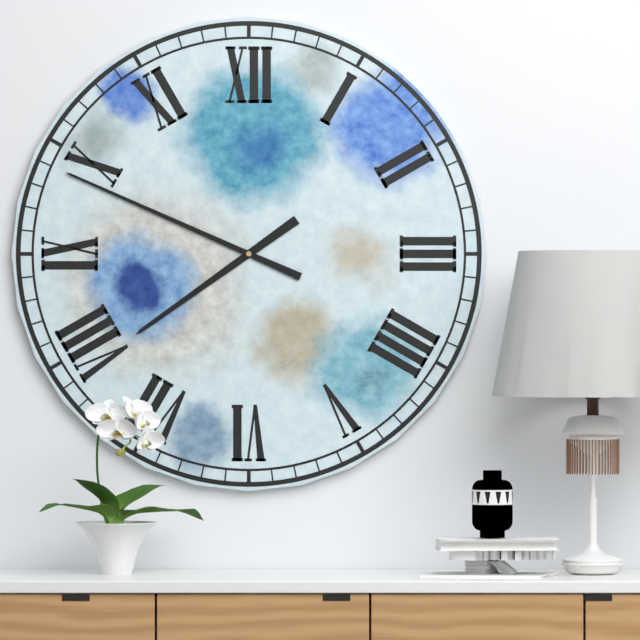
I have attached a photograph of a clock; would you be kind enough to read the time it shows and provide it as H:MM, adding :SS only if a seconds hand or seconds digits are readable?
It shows 7:49
